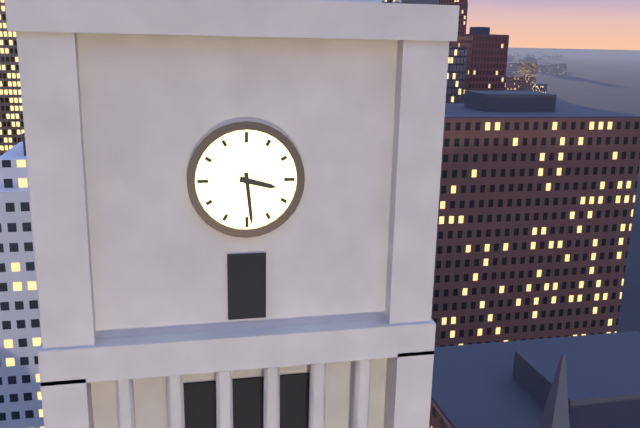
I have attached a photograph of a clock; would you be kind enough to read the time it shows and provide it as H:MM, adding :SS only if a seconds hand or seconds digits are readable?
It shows 3:29
